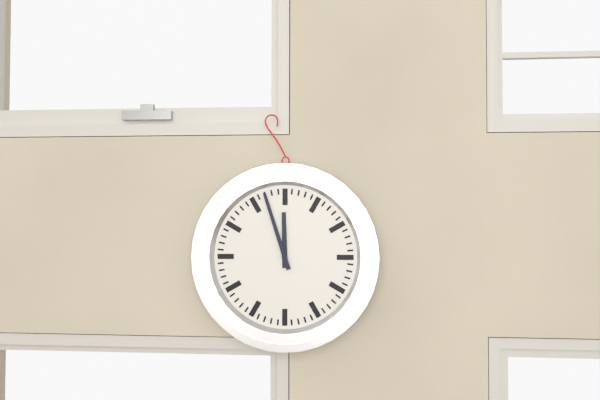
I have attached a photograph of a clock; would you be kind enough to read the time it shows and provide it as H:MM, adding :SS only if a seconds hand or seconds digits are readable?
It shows 11:57
